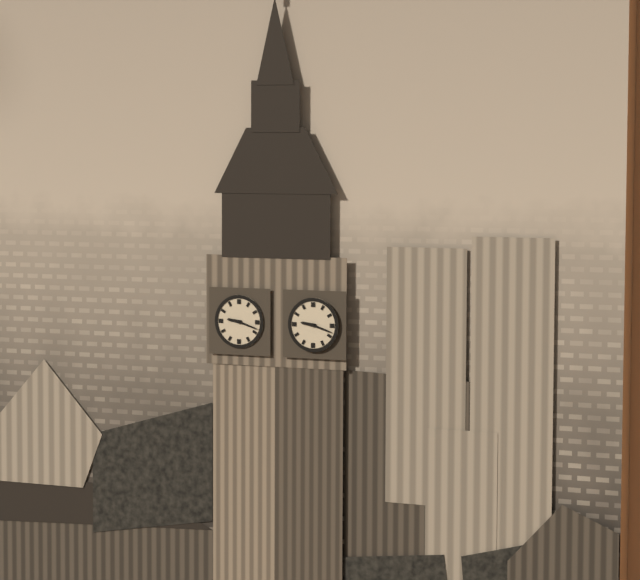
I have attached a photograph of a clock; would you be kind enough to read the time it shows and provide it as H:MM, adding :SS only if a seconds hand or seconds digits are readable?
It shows 9:18
